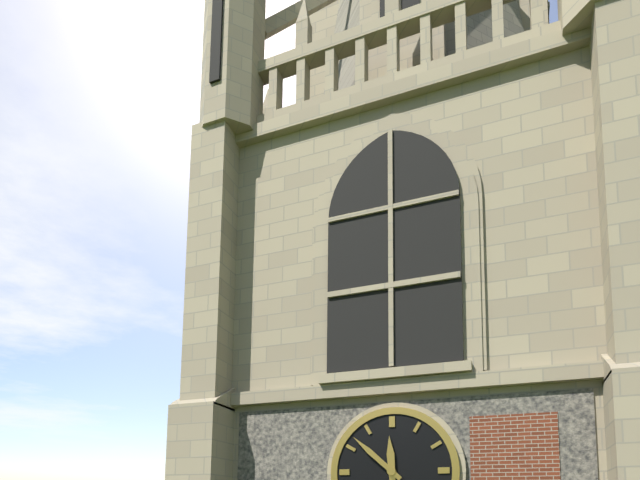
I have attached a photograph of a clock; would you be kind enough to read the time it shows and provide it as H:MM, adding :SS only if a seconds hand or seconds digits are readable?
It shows 11:52
